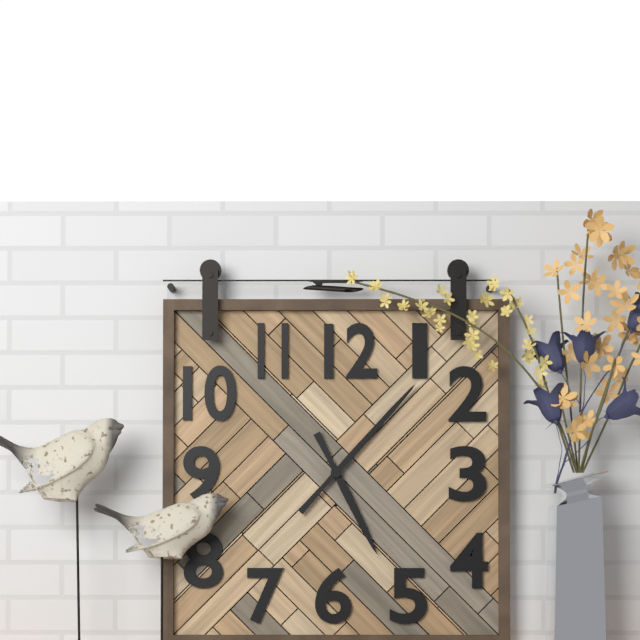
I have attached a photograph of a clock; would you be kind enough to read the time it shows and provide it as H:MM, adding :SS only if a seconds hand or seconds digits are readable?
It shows 5:07
